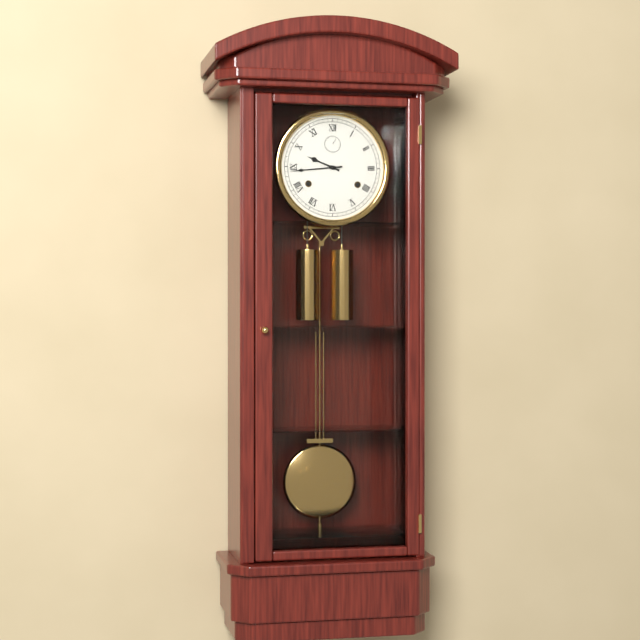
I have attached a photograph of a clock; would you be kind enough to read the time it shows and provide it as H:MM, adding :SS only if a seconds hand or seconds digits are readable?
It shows 9:44
